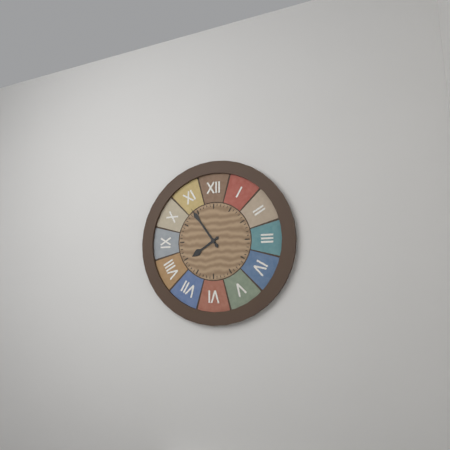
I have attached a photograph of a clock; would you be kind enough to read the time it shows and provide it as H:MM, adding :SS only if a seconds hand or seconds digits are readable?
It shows 7:54
